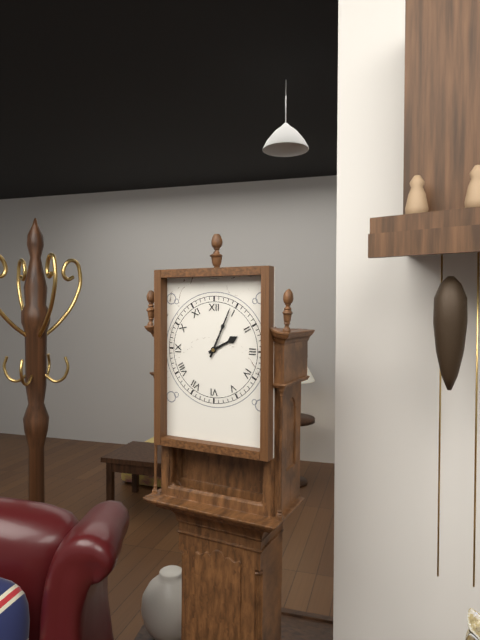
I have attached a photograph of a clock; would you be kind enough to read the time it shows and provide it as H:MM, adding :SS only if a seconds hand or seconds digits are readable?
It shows 2:04
